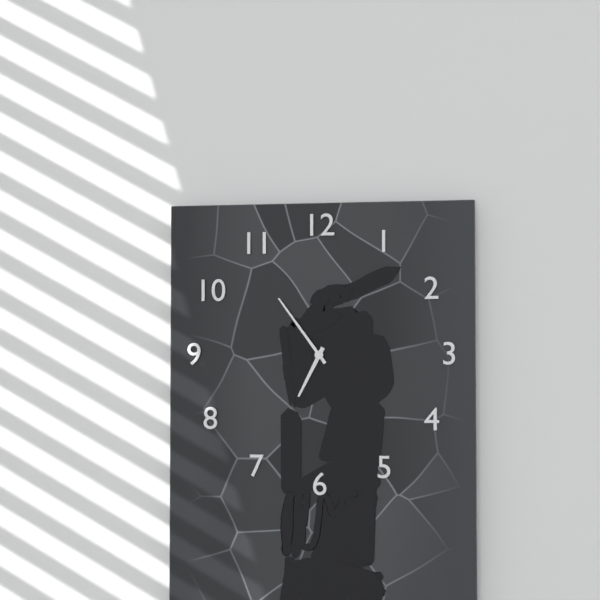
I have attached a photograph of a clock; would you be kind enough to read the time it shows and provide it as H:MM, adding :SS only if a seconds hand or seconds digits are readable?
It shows 6:54
